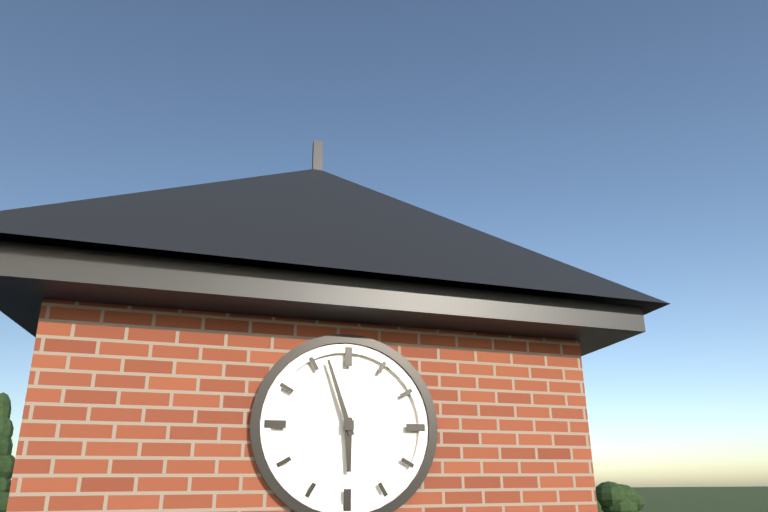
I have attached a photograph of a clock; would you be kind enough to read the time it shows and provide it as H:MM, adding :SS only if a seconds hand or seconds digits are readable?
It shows 5:57
